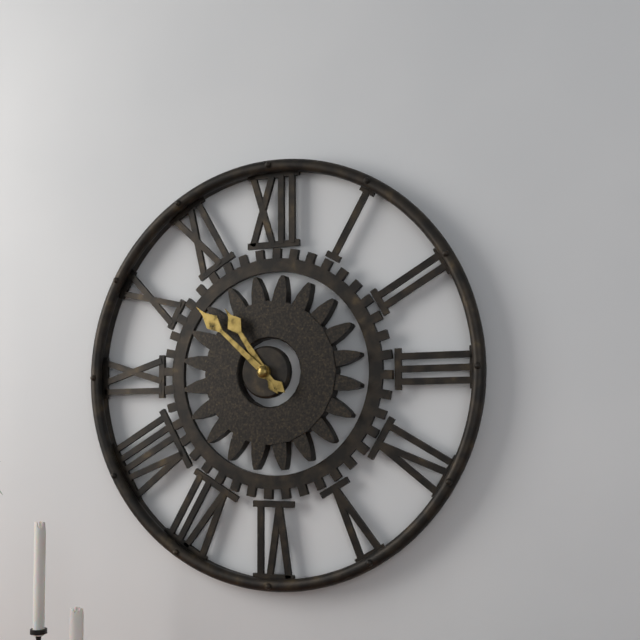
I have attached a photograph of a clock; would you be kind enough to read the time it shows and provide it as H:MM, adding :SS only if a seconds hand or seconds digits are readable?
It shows 10:52
